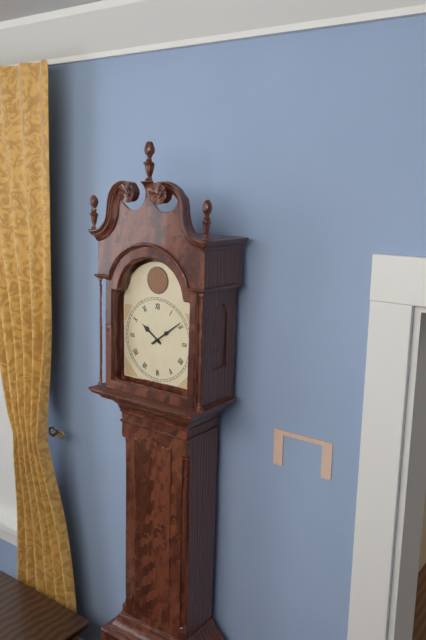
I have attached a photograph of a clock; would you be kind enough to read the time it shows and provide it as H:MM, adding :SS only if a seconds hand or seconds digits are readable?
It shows 10:09
